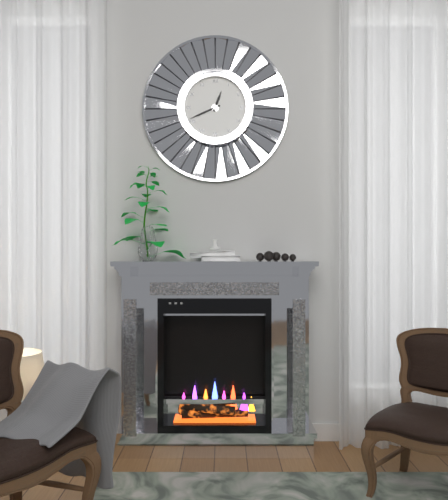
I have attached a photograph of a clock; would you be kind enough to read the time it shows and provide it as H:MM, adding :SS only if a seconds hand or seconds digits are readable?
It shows 12:41
